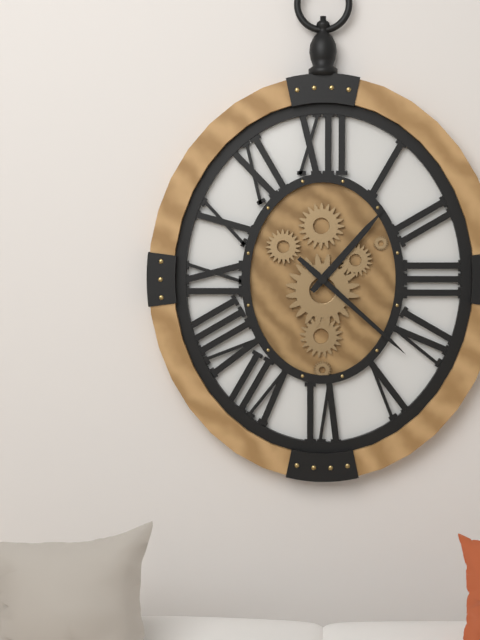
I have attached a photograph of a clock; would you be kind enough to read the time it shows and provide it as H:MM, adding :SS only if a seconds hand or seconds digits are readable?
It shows 1:22
